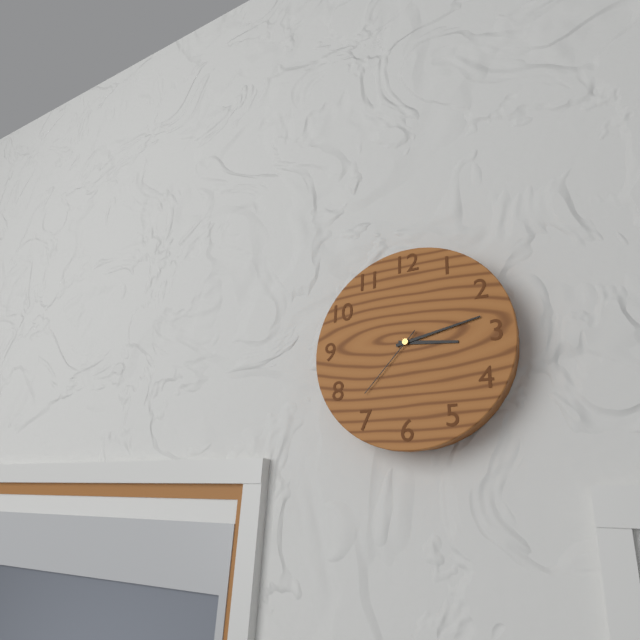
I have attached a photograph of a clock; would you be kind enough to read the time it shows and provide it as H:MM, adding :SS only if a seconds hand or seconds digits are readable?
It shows 3:13:37
